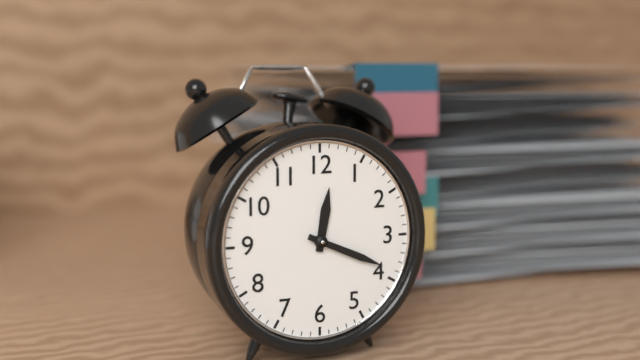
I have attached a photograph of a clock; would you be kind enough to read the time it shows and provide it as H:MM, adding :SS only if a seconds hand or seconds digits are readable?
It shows 12:19
